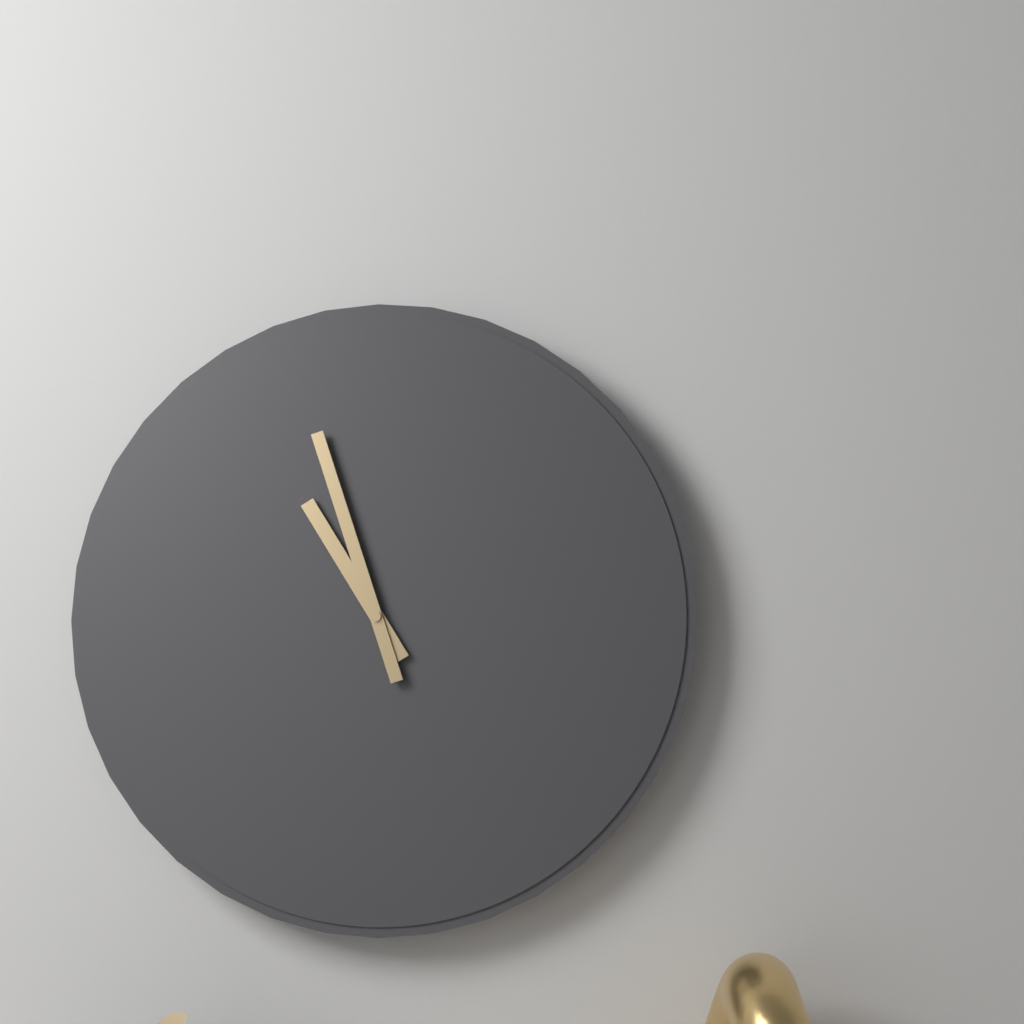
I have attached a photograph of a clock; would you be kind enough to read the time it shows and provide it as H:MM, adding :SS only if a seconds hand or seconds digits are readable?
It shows 10:57
